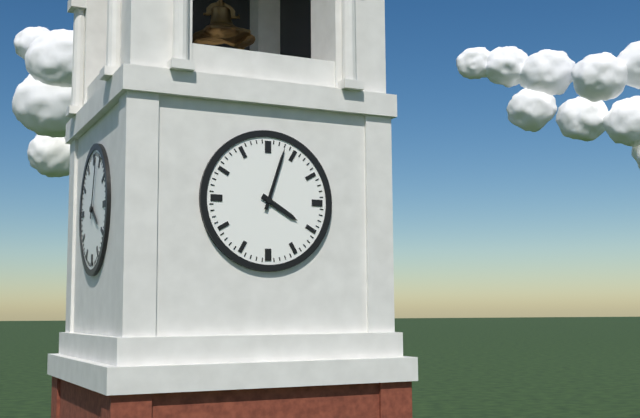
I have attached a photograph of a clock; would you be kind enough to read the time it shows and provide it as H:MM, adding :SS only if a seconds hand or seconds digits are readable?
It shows 4:03
